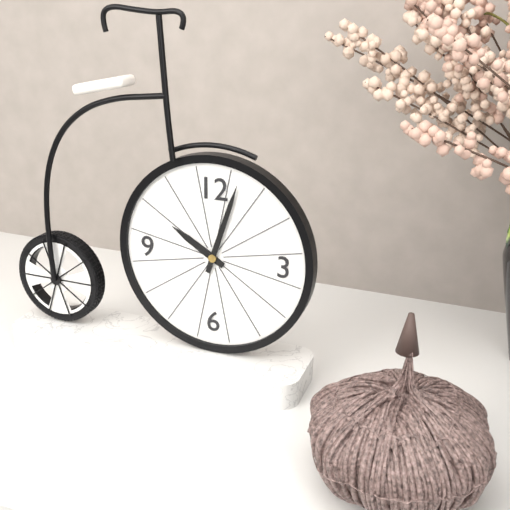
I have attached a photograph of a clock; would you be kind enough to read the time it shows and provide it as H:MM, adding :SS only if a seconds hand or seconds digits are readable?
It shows 10:03
